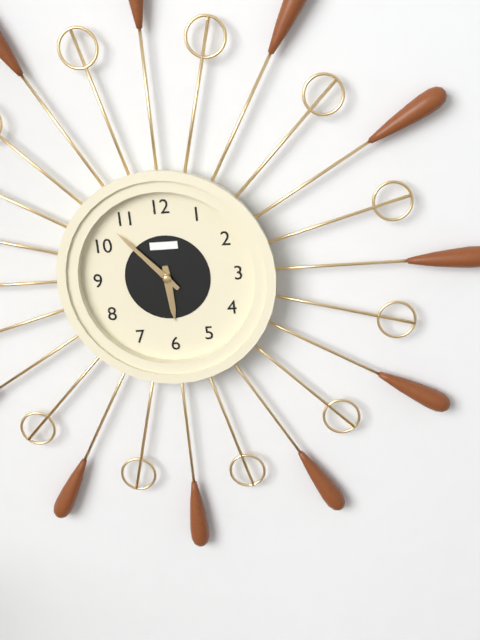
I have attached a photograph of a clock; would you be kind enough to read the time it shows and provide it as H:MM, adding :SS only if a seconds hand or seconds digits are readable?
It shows 5:53
